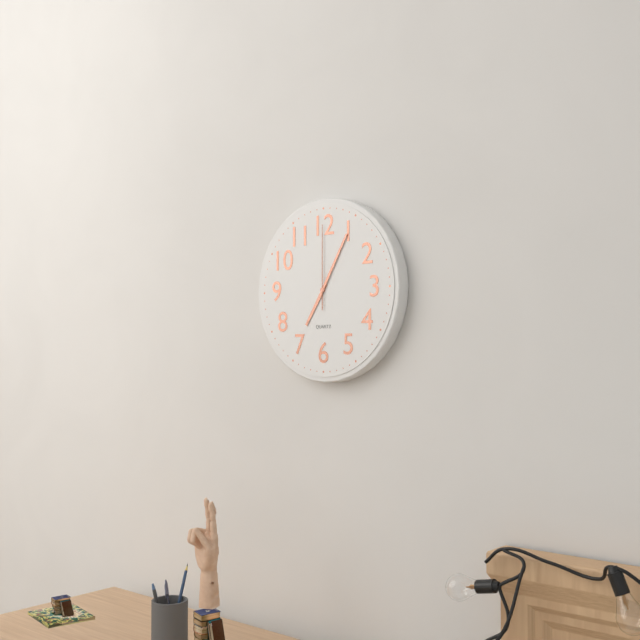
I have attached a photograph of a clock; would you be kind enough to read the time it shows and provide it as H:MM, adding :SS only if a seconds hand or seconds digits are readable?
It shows 7:05:00
